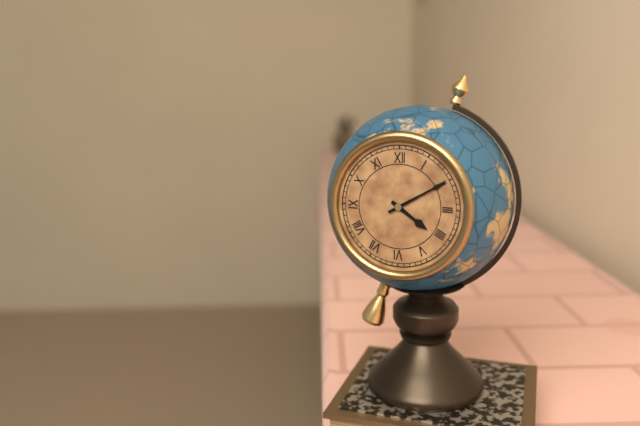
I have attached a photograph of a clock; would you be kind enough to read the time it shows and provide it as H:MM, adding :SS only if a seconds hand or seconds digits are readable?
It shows 4:10
